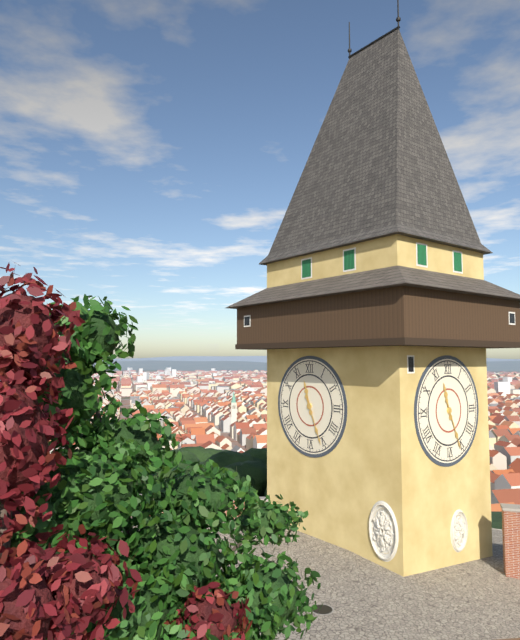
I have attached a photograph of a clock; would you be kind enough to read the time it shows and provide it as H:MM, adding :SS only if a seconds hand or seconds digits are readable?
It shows 11:26
